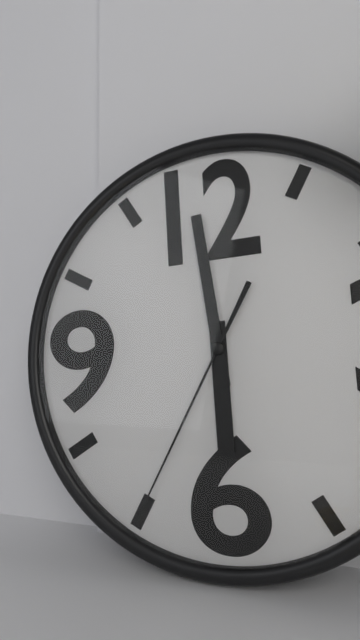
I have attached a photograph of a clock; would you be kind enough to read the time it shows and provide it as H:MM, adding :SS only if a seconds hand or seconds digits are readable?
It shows 5:59:35
